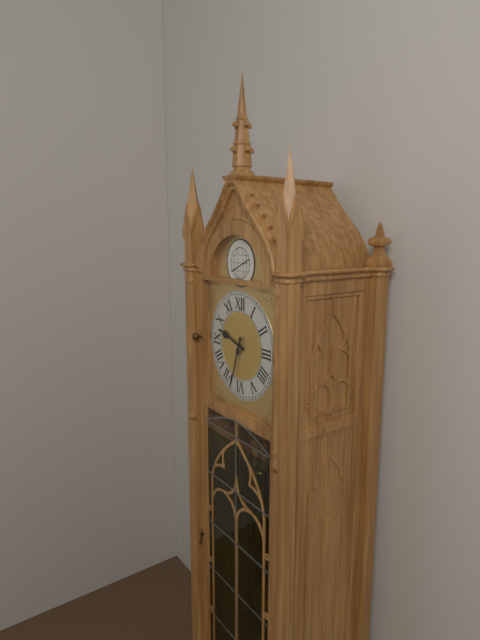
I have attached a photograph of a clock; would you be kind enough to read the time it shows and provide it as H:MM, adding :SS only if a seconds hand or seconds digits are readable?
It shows 9:33
